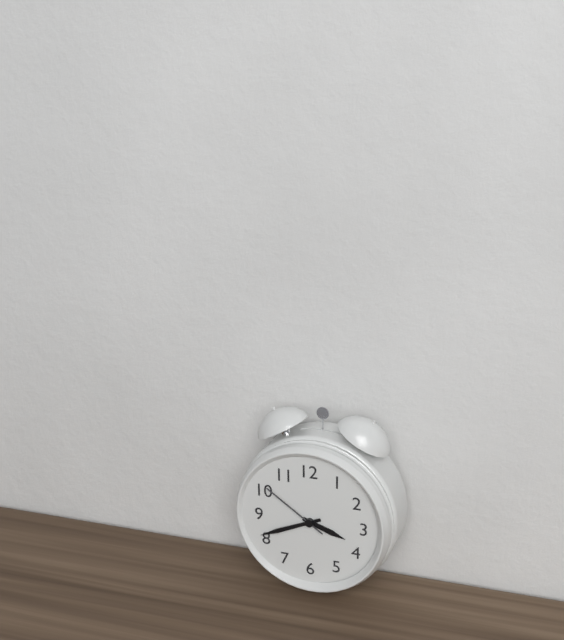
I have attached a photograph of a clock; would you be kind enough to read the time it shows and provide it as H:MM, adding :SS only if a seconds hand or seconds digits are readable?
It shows 3:41:51
